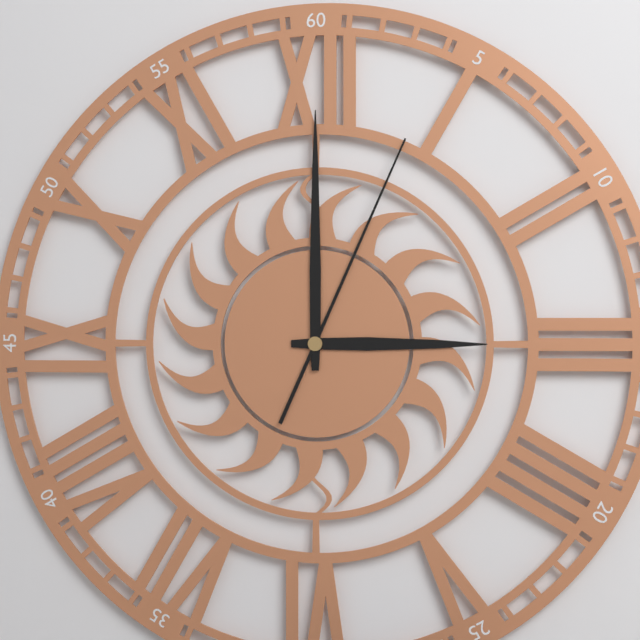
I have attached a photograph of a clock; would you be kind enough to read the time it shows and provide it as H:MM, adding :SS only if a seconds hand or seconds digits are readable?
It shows 3:00:04
